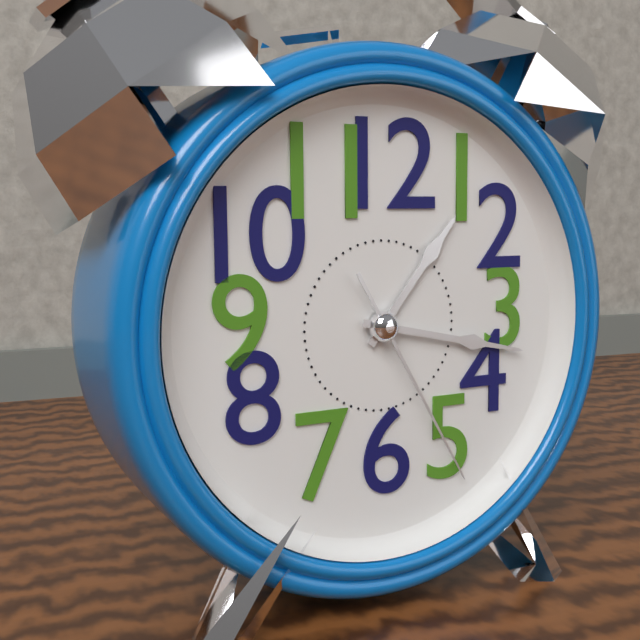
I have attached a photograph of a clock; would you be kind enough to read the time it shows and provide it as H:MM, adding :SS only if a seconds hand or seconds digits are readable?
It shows 1:17:25
